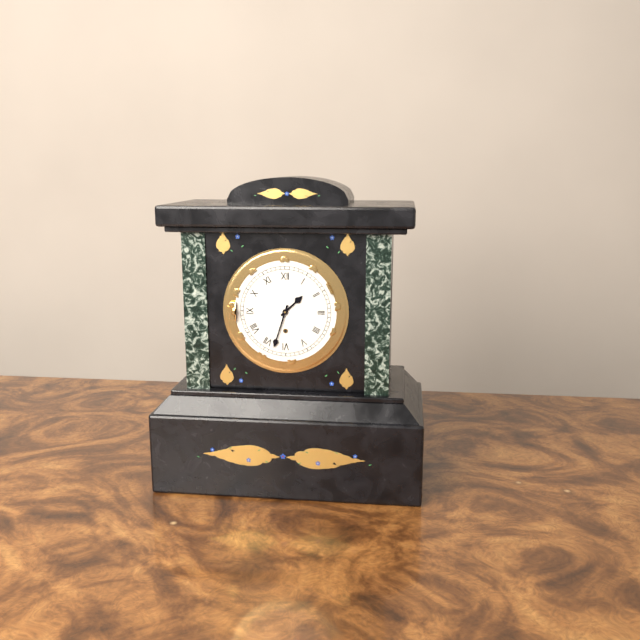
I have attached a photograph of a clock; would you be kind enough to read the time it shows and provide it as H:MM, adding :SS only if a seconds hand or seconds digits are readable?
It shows 1:33
